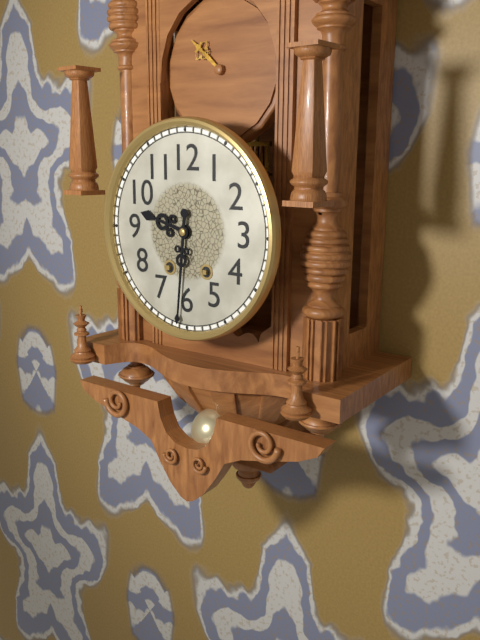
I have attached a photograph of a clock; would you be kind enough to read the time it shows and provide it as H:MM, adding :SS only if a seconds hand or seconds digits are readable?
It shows 9:31
